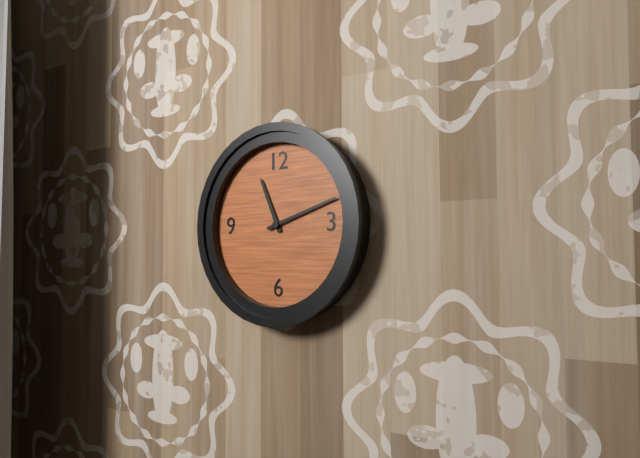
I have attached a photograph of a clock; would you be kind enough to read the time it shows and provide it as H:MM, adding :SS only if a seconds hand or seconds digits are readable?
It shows 11:12
